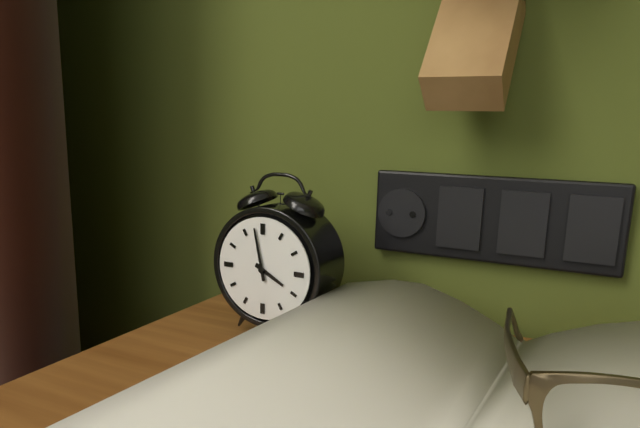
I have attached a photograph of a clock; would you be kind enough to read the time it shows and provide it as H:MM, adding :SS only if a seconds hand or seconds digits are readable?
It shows 3:58
